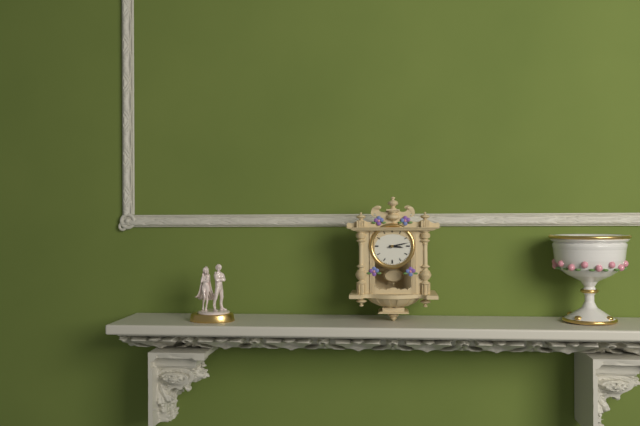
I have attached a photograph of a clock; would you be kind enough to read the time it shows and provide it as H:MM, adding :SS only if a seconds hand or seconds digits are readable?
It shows 3:13
